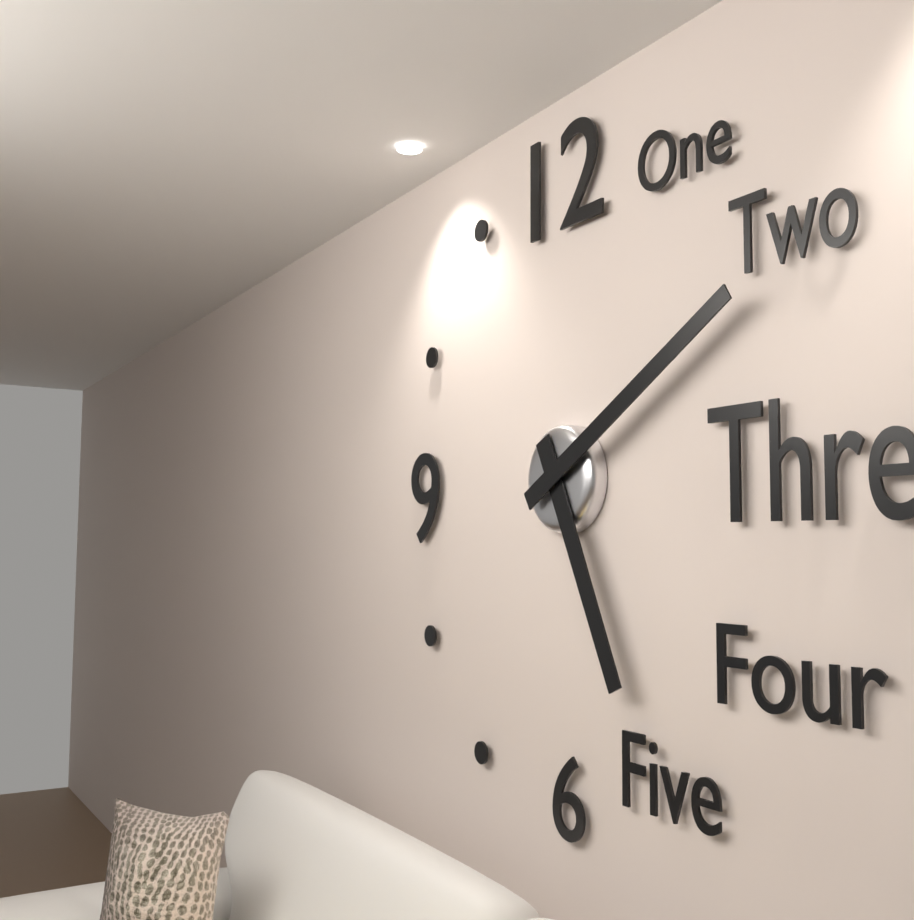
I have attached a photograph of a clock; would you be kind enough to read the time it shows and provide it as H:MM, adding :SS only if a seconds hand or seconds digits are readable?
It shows 5:10
